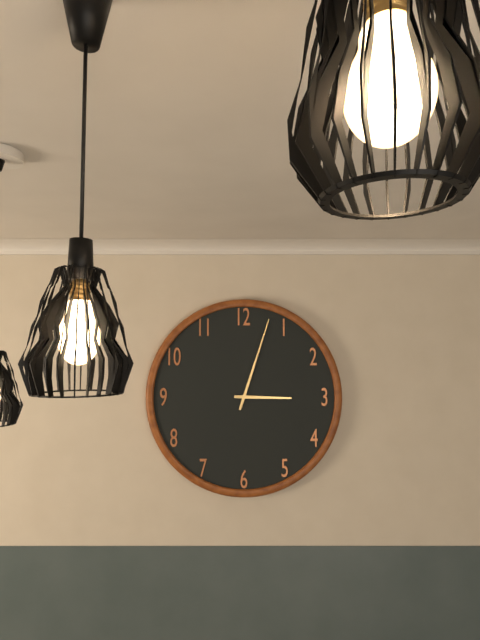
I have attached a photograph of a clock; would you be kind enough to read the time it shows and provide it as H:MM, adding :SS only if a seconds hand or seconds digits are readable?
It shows 3:03
